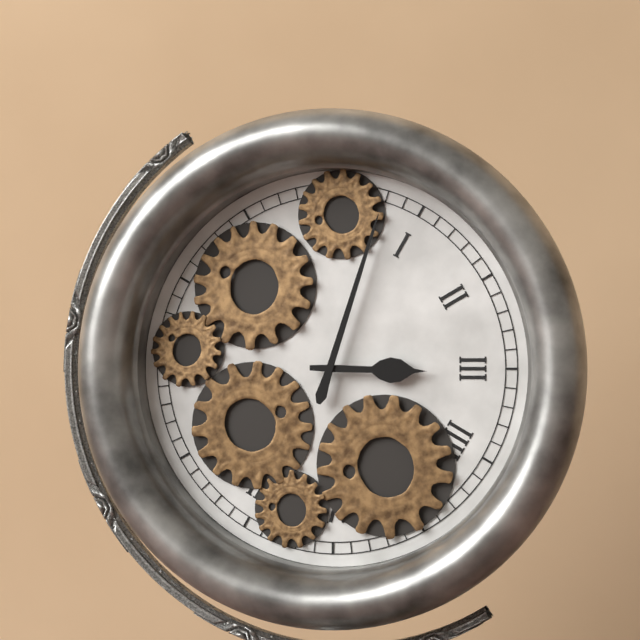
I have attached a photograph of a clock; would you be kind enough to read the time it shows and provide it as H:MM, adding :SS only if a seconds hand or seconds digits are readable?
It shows 3:03
